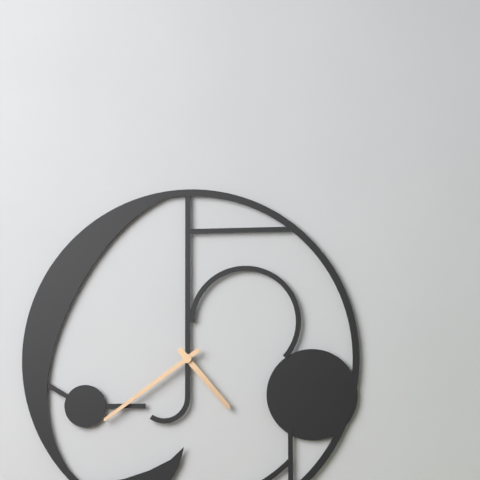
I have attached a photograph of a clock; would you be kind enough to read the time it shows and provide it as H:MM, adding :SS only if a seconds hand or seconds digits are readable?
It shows 4:39
